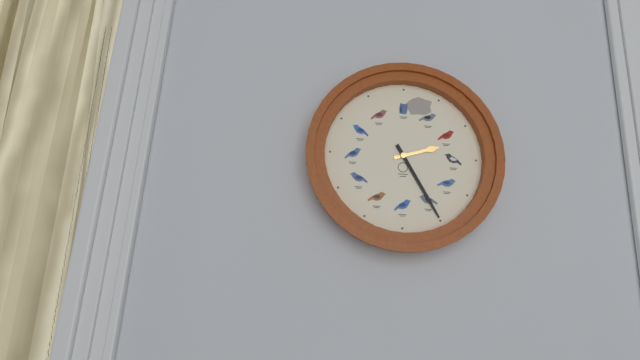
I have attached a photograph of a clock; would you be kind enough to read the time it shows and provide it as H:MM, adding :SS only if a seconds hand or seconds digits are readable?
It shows 2:25
